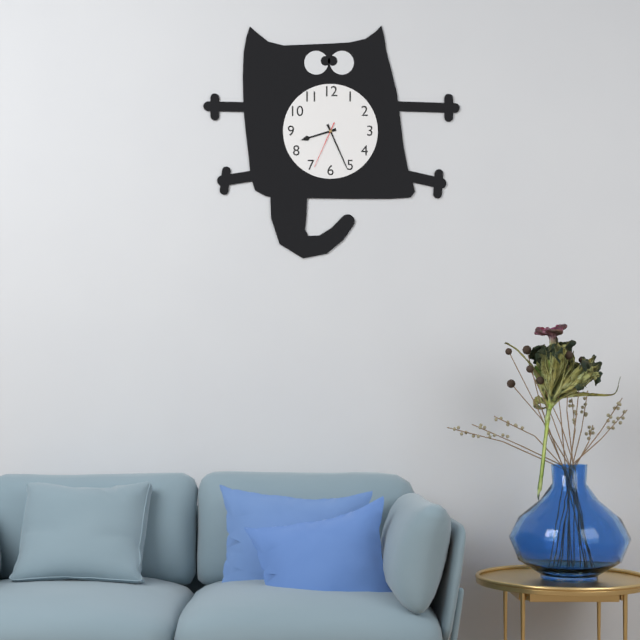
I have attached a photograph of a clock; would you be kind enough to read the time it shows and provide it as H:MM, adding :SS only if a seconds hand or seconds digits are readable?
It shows 8:26
